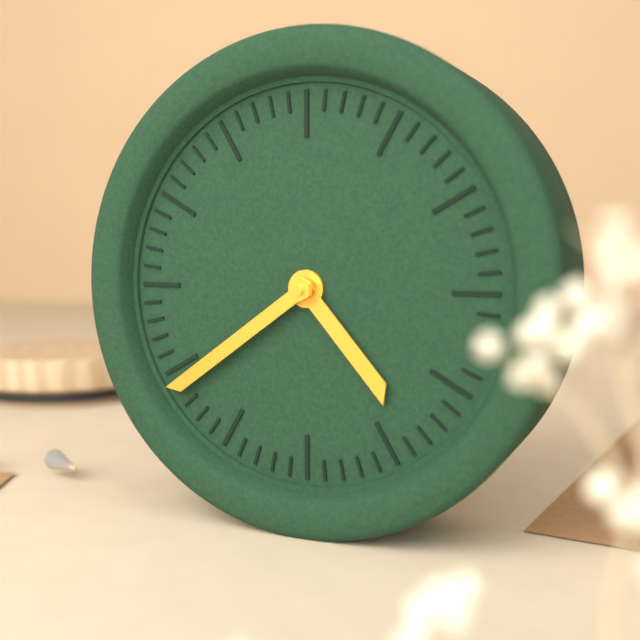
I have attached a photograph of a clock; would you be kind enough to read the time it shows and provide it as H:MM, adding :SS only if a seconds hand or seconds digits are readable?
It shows 4:39
